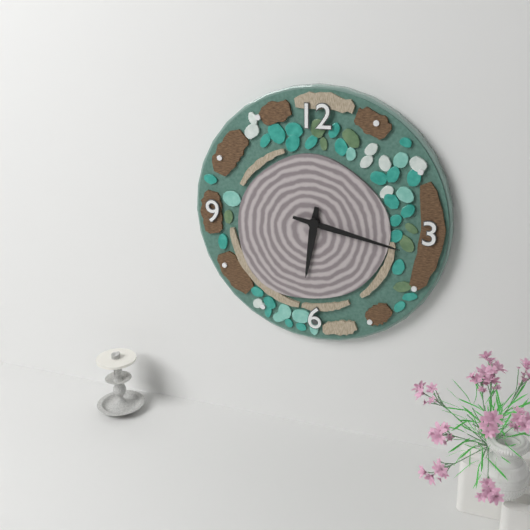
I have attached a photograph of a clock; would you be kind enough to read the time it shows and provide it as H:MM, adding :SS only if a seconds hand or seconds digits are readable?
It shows 6:17
